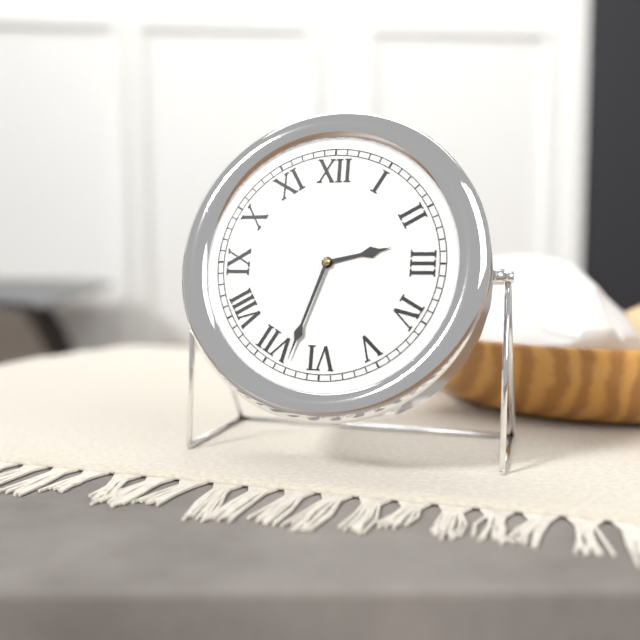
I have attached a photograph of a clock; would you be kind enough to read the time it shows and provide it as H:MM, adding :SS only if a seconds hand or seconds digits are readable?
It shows 2:33
